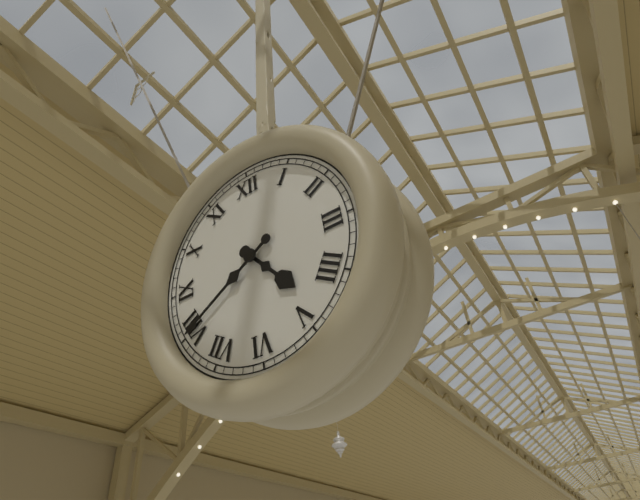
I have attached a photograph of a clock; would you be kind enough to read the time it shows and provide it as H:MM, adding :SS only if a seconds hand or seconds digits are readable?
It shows 4:40
